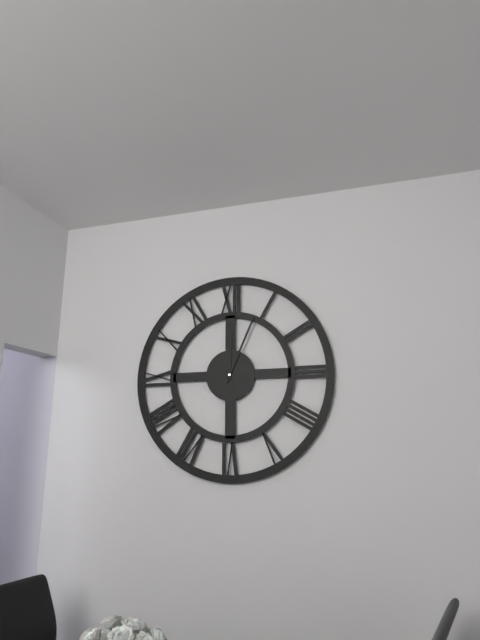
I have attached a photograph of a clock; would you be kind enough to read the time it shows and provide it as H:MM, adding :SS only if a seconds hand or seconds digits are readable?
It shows 12:04
